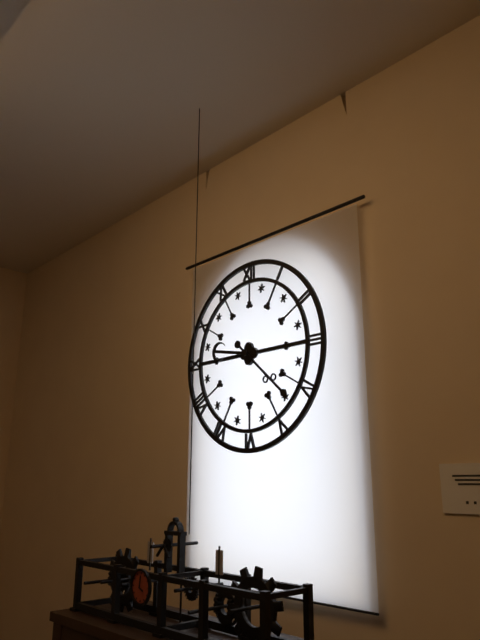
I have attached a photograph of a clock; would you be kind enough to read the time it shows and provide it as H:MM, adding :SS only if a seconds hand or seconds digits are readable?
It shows 9:22
